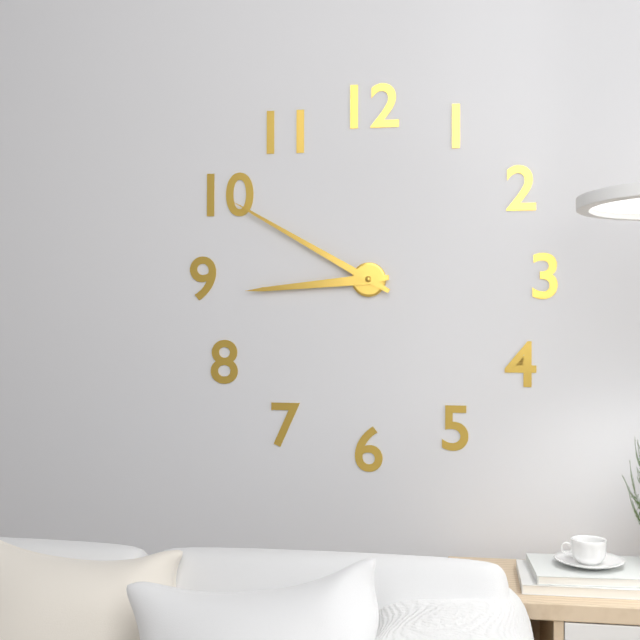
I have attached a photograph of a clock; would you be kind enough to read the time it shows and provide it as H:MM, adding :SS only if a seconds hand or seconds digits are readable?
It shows 8:50
